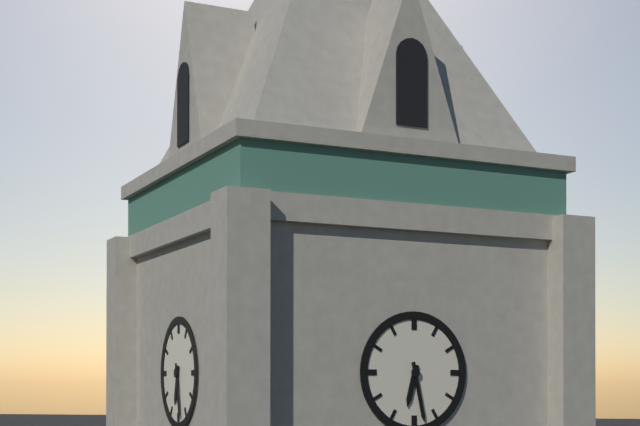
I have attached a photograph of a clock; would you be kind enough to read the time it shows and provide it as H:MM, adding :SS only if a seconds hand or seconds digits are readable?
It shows 6:28
